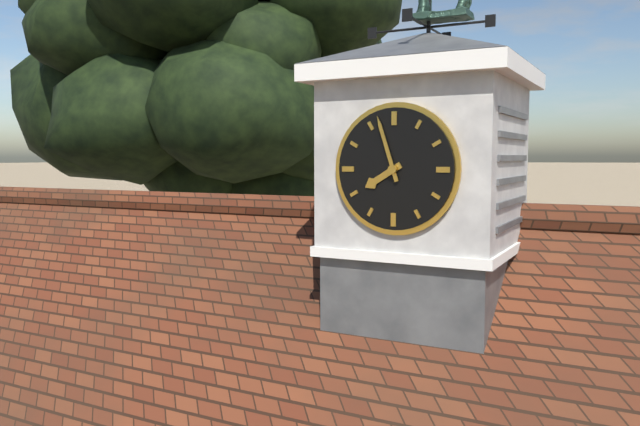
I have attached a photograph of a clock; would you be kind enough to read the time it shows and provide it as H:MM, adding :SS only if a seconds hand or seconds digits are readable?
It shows 7:57
